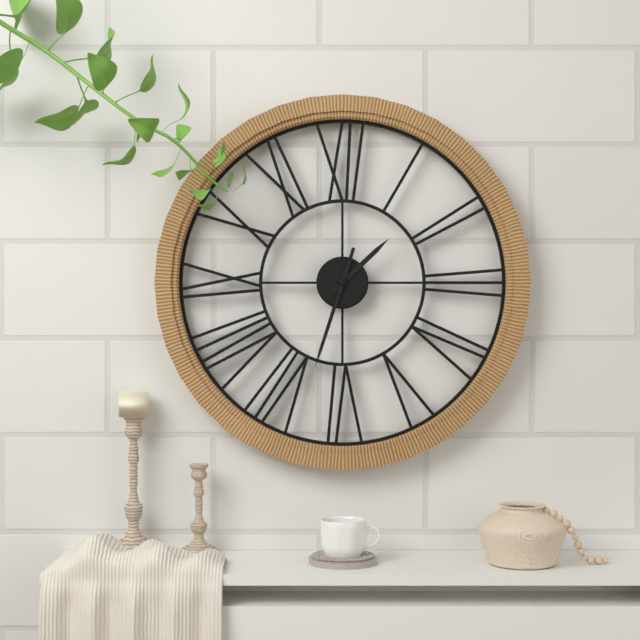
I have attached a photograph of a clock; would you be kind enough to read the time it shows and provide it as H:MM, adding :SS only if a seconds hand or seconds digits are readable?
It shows 1:33
